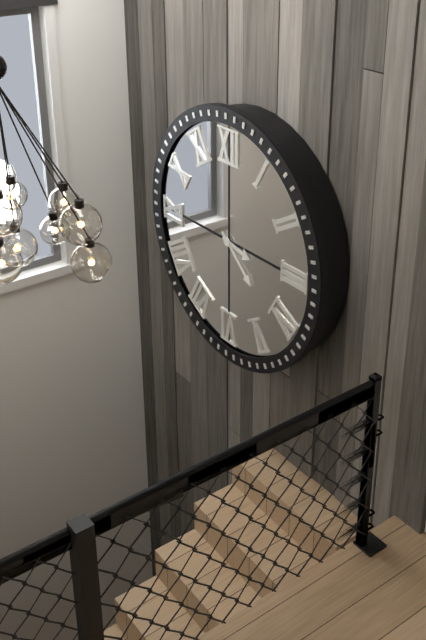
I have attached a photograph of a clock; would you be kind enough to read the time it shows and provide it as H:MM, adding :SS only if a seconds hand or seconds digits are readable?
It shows 3:22
